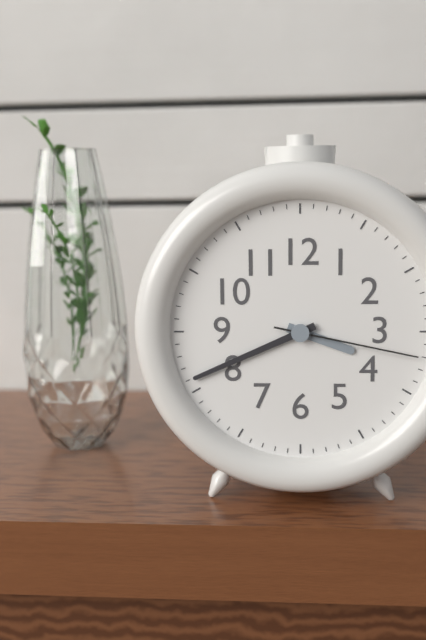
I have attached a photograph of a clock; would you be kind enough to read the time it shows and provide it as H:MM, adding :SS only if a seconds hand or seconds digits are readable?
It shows 3:41:17
